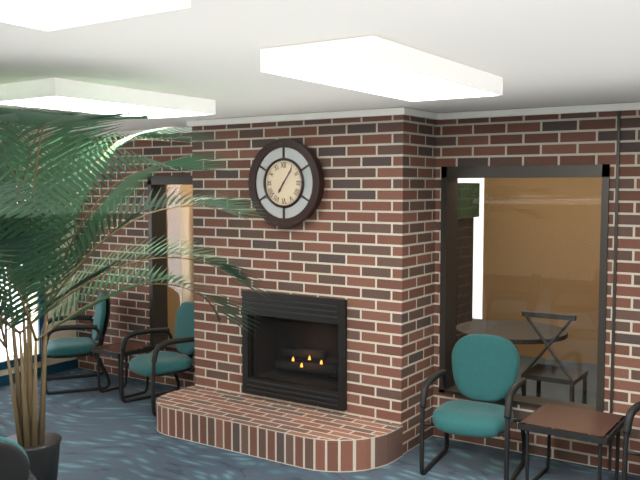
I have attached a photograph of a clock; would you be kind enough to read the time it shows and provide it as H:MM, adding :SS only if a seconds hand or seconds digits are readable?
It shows 7:06
